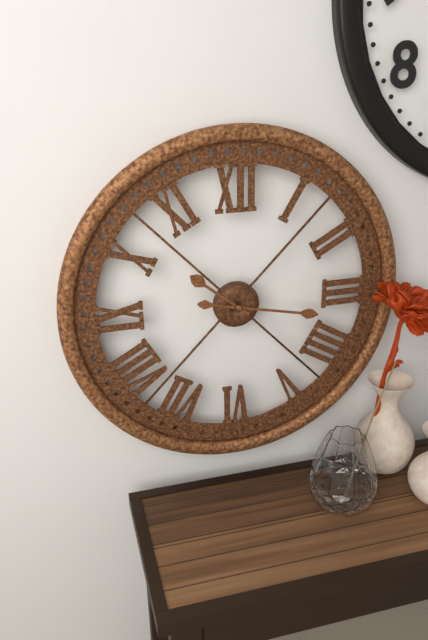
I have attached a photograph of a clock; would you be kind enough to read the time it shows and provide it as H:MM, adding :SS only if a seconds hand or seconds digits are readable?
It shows 10:17
